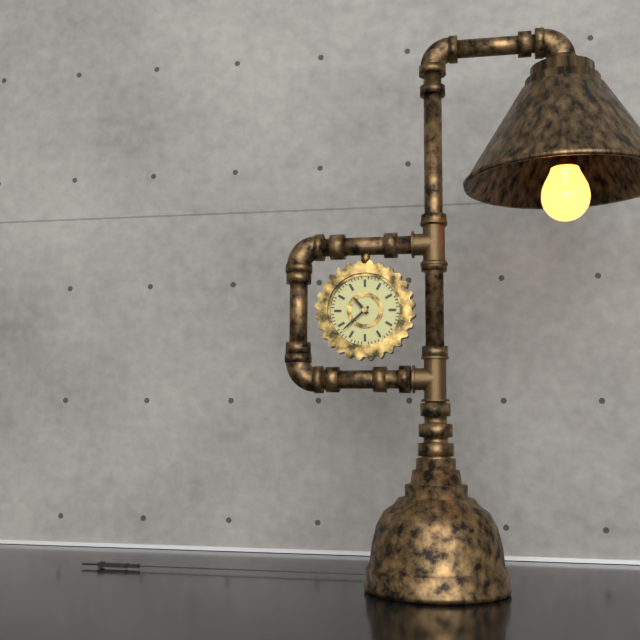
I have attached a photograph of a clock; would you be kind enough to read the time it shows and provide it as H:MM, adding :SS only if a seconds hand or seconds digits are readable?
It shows 10:38
